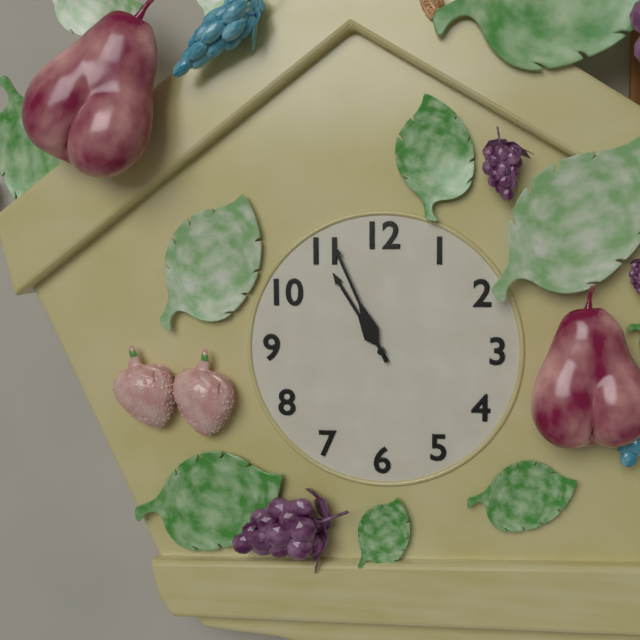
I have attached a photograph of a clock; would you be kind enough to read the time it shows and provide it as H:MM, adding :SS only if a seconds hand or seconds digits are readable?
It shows 10:56
